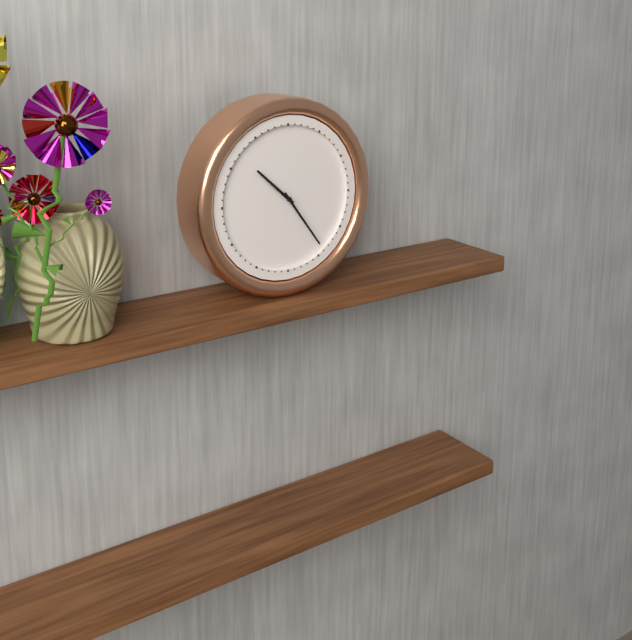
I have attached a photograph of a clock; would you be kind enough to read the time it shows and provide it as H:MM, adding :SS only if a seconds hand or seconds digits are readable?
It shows 10:24
